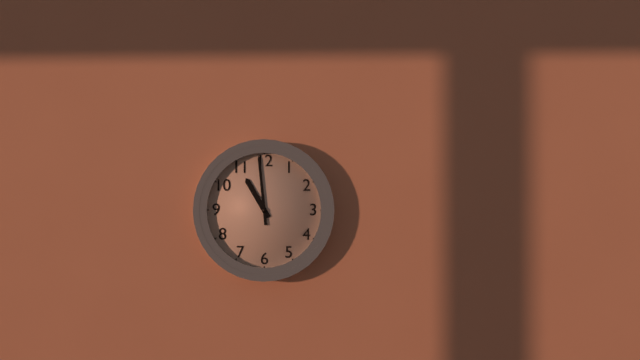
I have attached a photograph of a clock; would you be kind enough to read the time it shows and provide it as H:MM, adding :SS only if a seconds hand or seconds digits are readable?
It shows 10:59
